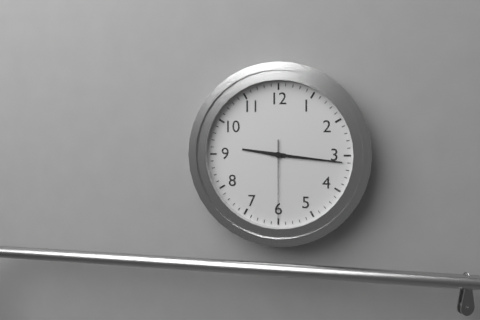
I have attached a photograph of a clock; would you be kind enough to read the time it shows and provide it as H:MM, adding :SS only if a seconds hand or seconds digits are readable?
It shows 9:16:30
